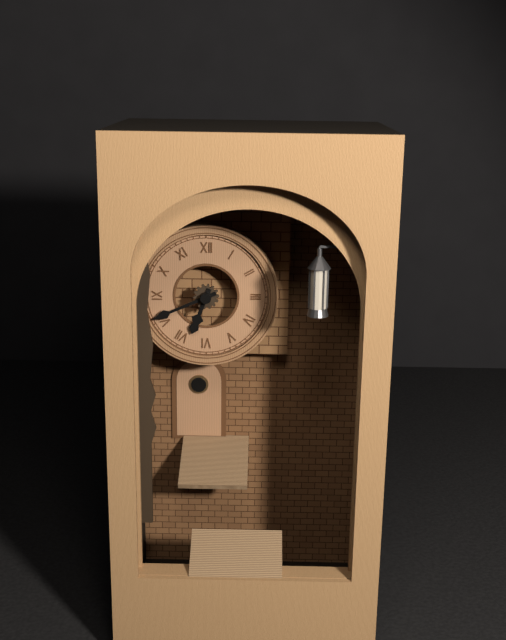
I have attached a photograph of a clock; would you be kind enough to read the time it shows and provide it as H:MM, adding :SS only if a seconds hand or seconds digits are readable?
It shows 6:41
